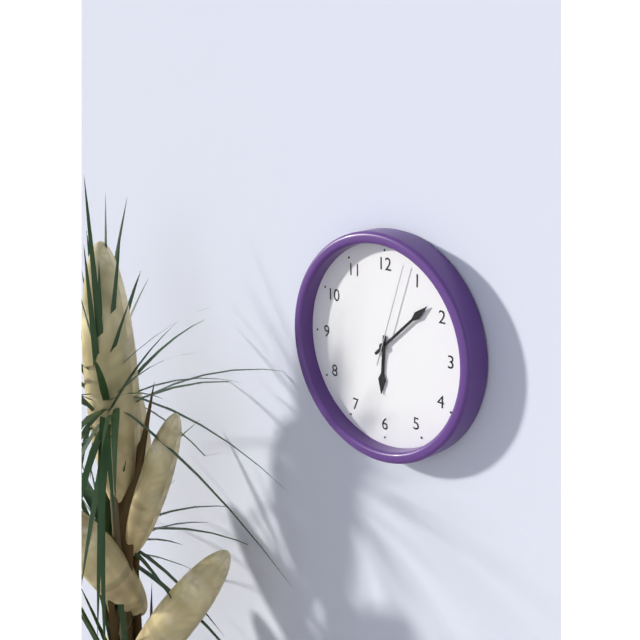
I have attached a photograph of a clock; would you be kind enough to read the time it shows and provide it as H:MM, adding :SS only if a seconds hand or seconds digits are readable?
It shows 6:08:03
